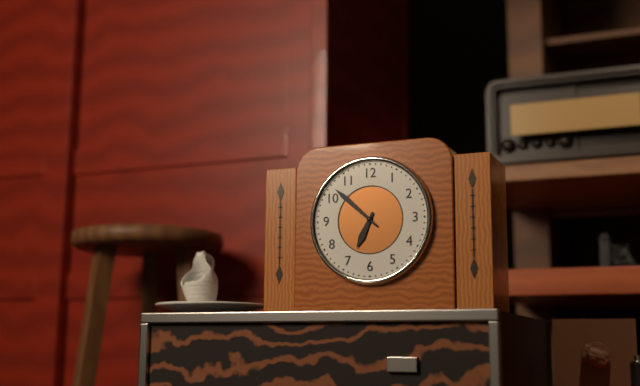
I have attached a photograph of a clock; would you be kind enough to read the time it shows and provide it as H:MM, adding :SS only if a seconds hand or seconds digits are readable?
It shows 6:52
